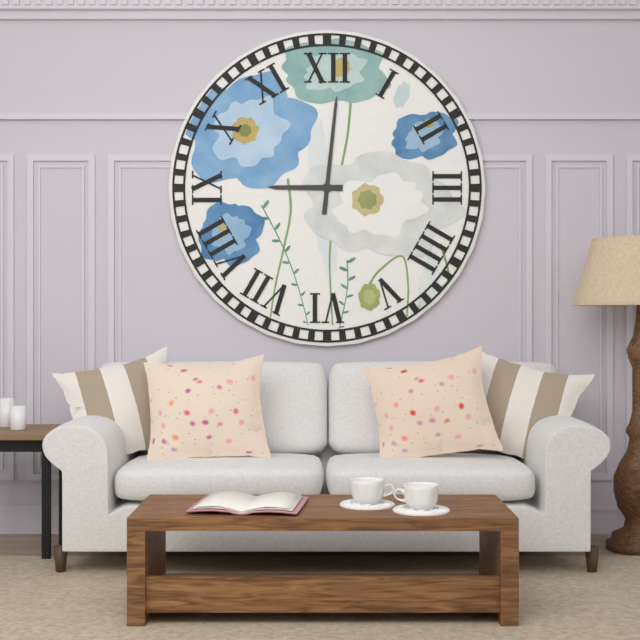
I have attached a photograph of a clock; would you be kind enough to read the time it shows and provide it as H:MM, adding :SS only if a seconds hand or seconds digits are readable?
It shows 9:01
